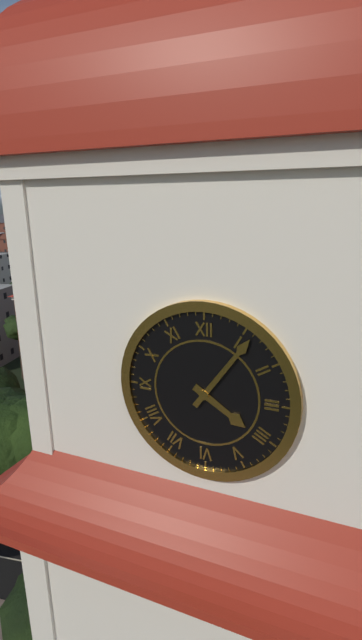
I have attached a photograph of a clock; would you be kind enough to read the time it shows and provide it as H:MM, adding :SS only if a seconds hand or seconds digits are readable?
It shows 4:06
